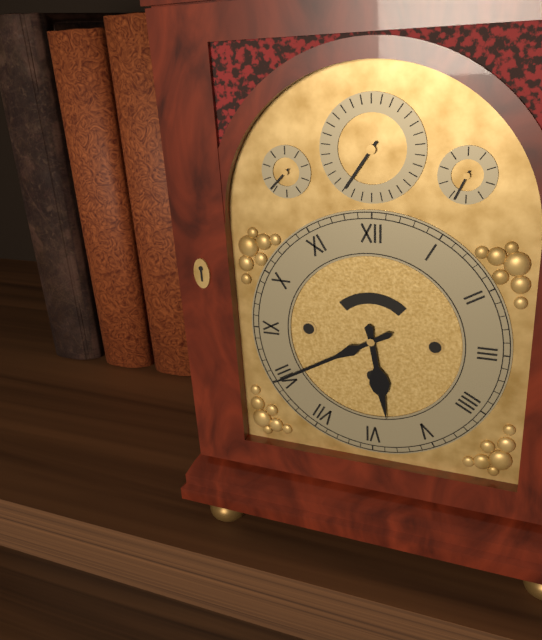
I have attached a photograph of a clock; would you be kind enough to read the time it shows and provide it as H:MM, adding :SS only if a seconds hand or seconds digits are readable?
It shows 5:40
